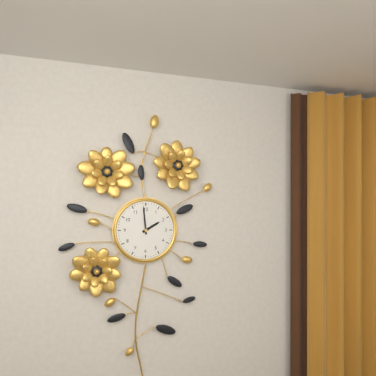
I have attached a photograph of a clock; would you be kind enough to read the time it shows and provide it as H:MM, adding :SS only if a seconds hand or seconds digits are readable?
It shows 1:59
